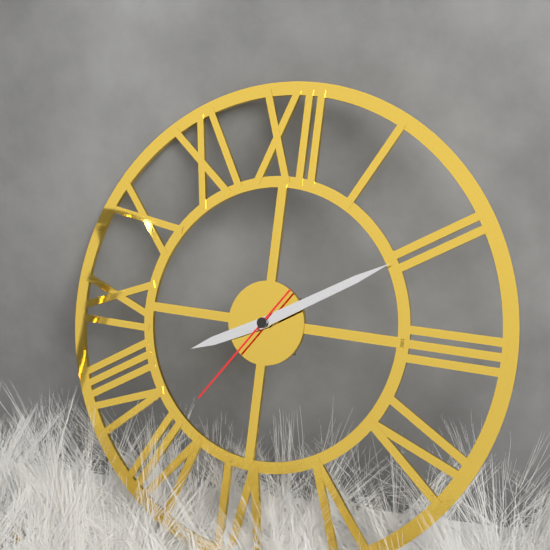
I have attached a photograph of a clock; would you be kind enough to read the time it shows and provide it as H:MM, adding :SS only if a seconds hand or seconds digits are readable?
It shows 8:10:36
